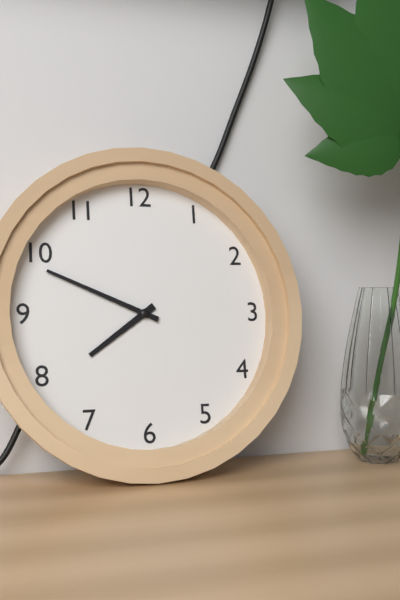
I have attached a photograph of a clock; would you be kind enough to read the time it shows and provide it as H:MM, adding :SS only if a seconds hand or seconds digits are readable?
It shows 7:49
